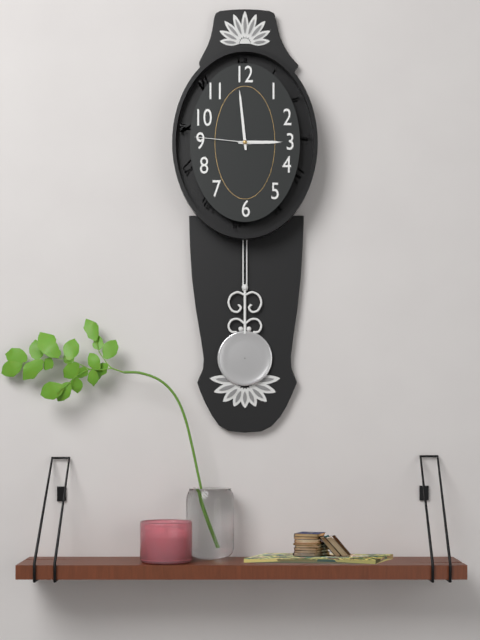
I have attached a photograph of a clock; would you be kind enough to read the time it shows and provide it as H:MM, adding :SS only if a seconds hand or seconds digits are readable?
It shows 2:59:46
